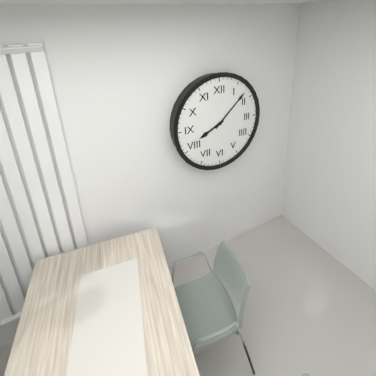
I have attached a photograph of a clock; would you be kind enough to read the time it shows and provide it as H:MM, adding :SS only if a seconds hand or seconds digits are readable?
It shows 8:08
